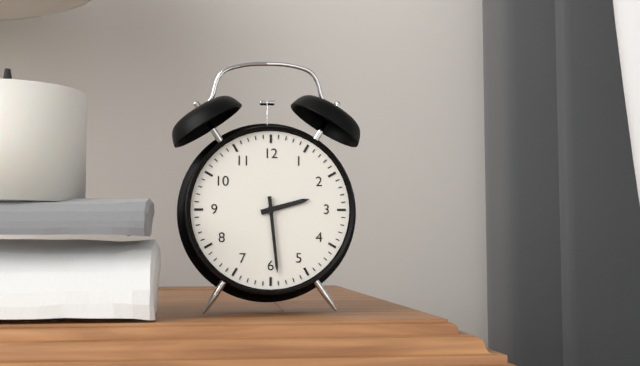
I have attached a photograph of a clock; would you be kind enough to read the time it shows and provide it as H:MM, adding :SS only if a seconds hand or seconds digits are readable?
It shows 2:29
